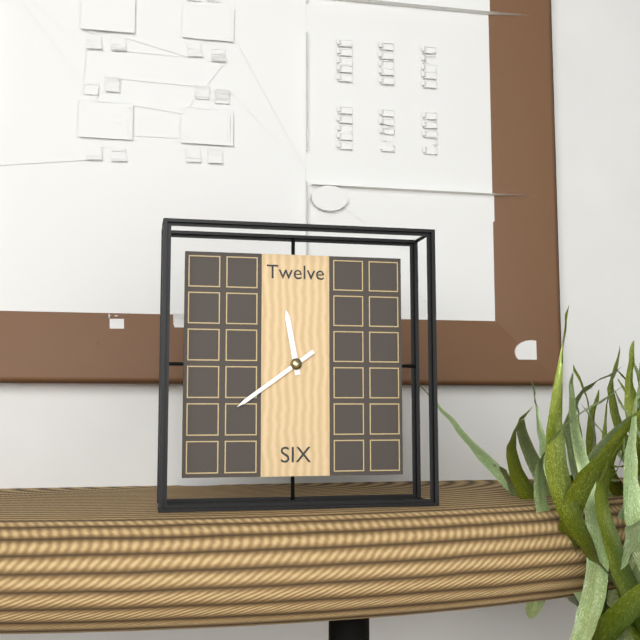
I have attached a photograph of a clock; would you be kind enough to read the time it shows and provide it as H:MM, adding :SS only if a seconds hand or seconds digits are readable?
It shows 11:39
